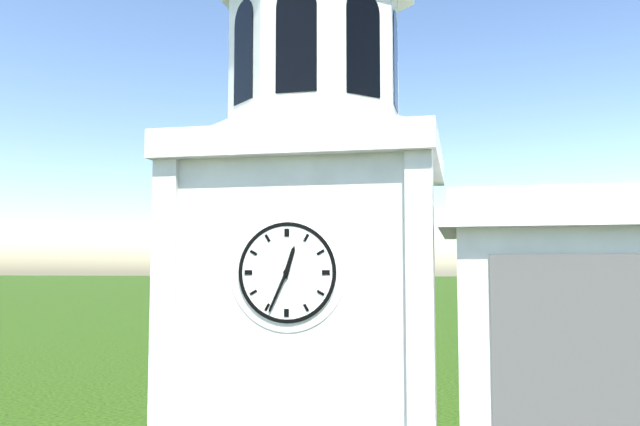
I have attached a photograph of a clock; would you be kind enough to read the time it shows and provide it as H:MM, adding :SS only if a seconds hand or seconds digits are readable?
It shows 12:34
